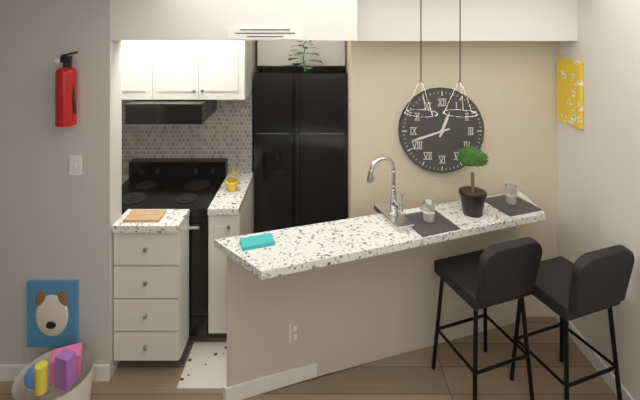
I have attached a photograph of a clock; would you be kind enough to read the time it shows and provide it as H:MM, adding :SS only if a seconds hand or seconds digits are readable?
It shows 12:42
